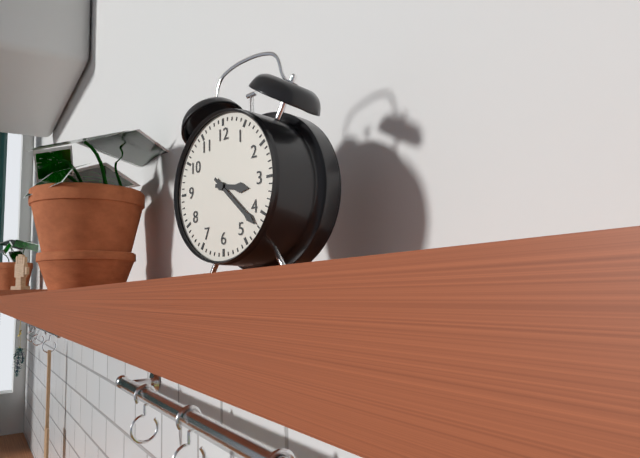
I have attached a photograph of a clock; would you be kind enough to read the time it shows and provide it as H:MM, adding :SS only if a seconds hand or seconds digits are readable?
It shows 3:22
